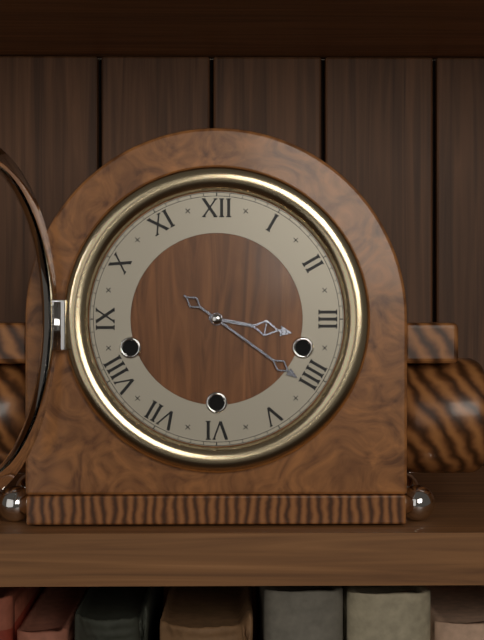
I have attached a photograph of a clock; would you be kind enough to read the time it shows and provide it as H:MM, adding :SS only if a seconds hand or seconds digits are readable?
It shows 3:21
